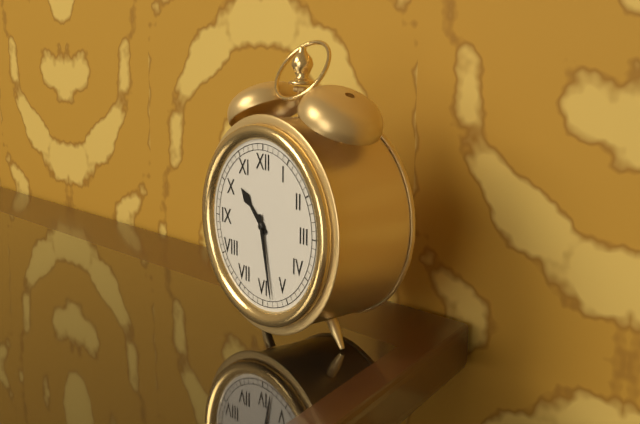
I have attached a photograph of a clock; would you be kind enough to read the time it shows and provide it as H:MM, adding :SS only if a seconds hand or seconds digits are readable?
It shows 10:28
